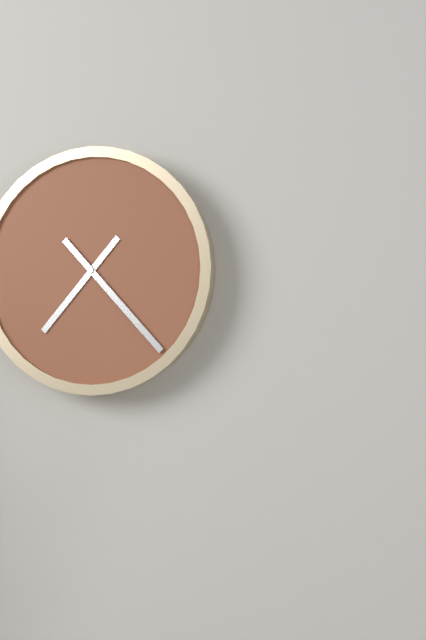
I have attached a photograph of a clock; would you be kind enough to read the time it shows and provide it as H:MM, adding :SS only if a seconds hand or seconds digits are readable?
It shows 7:23
